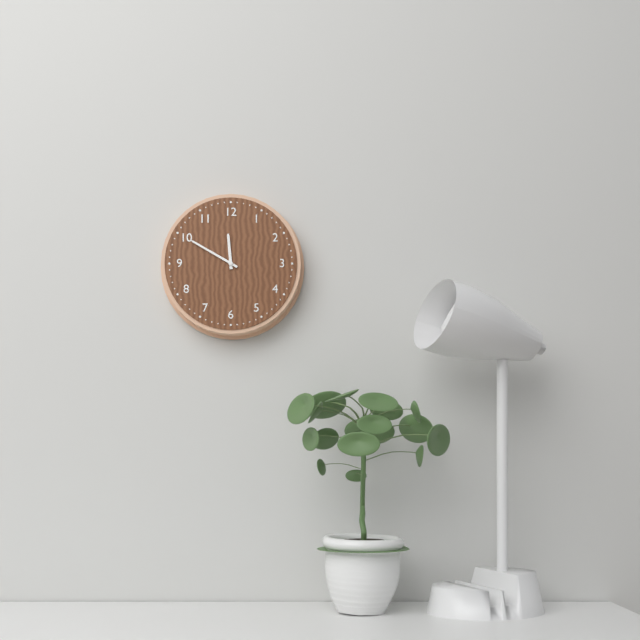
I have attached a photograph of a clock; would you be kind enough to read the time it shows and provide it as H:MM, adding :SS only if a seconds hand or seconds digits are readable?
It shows 11:50
